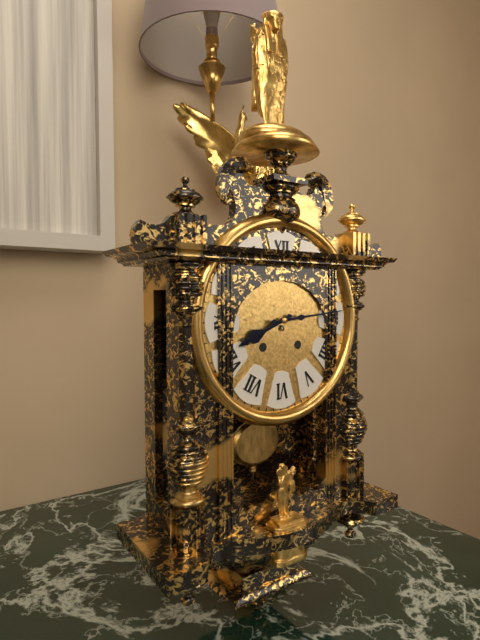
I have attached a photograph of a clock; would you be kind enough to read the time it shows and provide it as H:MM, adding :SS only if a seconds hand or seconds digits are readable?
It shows 8:14
